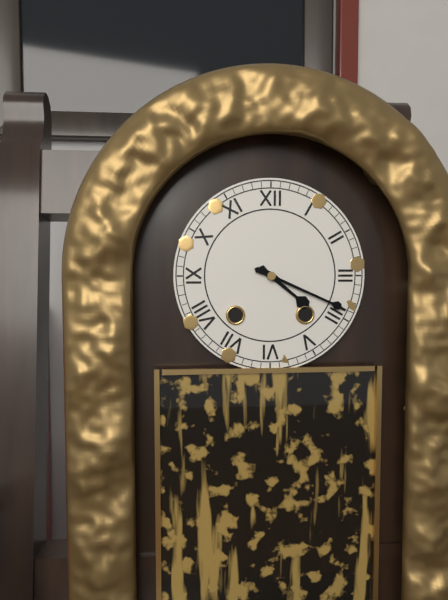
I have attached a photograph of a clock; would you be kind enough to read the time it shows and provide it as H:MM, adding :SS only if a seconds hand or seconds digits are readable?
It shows 4:19
